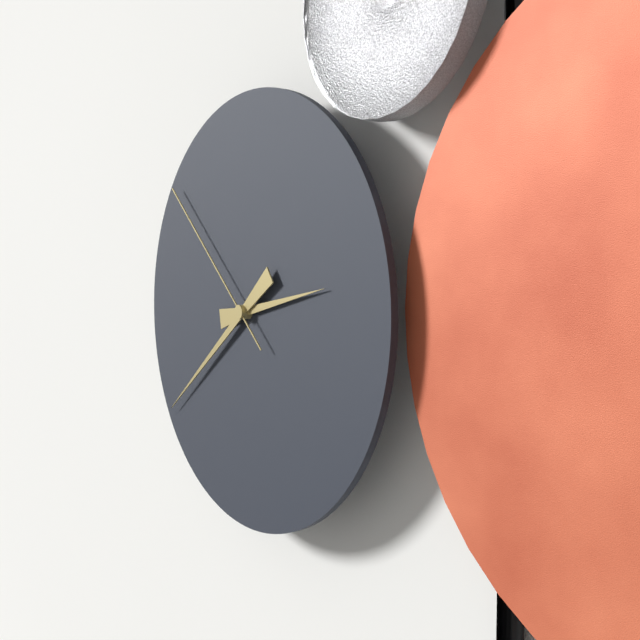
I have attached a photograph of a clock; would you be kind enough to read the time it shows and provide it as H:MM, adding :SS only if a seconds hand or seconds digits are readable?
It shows 2:39:52
